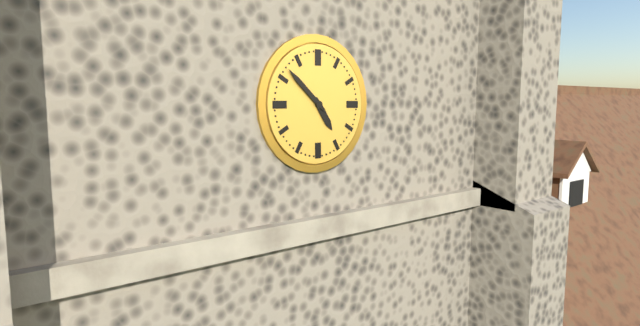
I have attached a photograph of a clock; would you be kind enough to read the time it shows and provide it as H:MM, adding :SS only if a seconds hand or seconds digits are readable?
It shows 4:52
